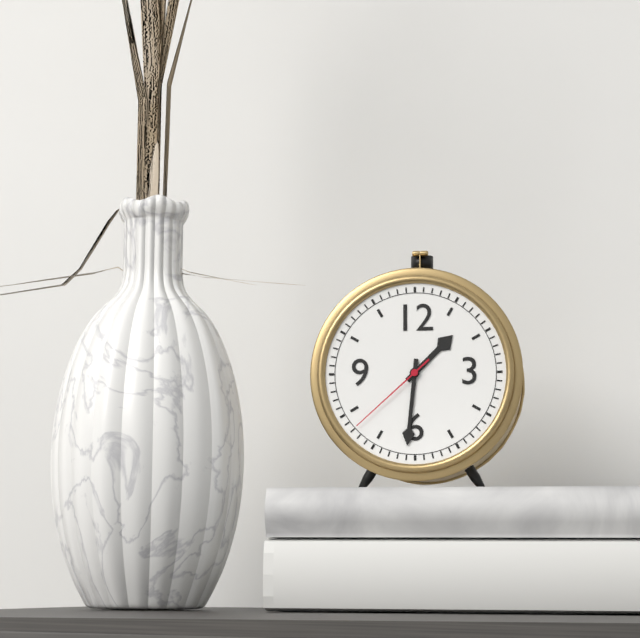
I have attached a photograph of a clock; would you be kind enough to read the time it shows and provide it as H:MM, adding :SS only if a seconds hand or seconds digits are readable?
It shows 1:31:38
